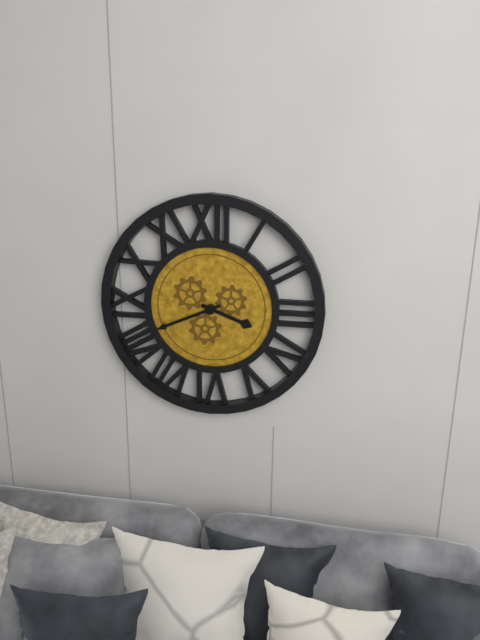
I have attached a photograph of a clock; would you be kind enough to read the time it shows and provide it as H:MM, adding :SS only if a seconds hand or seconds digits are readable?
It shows 3:41
